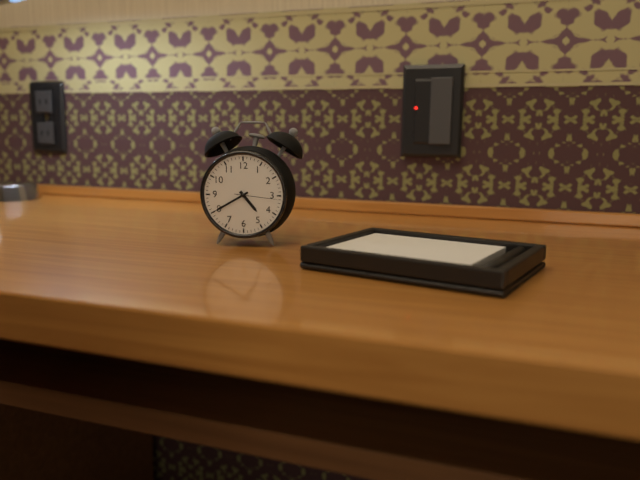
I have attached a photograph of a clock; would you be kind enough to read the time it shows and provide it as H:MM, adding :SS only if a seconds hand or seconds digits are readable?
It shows 4:40
